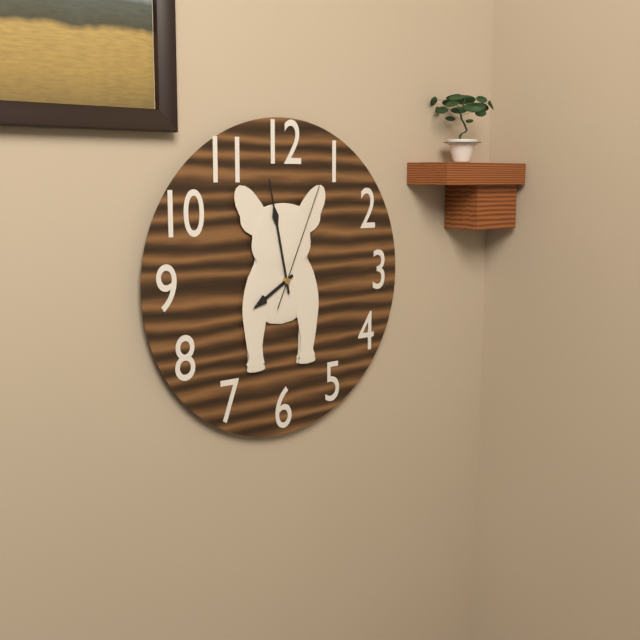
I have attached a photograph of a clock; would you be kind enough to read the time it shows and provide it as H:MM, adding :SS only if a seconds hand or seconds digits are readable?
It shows 7:58:04
